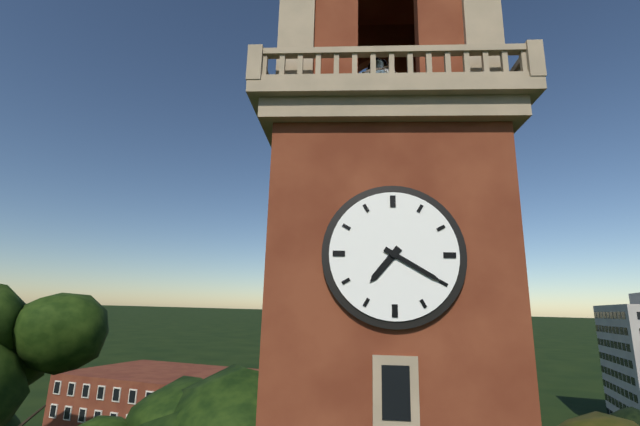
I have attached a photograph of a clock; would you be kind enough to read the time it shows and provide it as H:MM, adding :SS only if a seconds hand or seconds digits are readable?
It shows 7:20
